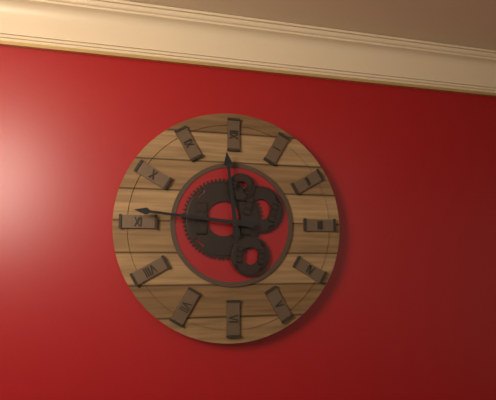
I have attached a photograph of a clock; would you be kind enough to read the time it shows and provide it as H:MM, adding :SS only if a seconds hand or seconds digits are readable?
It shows 11:46
